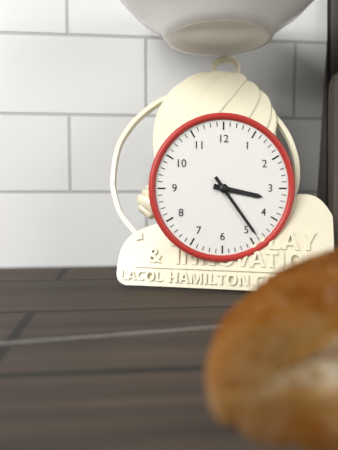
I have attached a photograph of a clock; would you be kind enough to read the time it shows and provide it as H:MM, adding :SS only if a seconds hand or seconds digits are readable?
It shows 3:24
